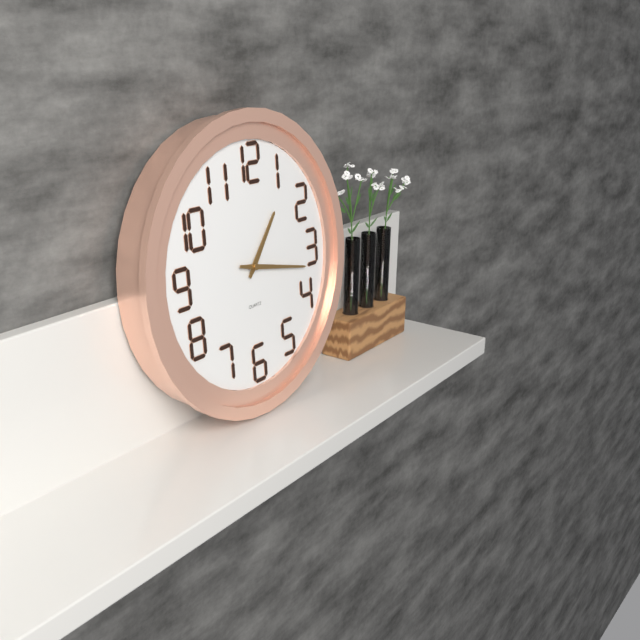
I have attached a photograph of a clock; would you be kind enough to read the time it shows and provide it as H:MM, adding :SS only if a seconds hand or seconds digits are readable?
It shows 1:17
